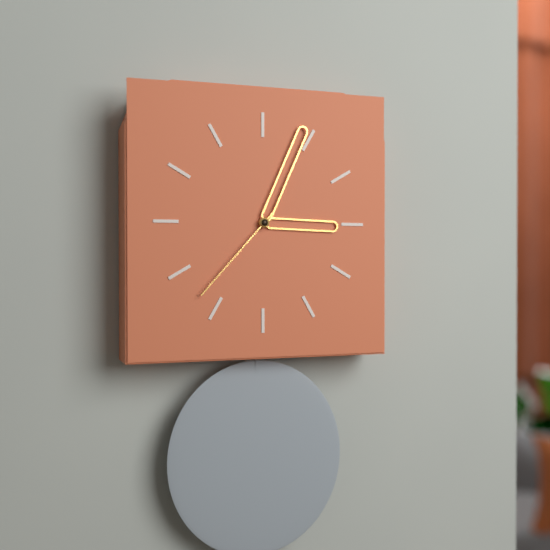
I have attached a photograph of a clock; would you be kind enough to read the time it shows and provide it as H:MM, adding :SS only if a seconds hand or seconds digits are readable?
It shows 3:04:37
